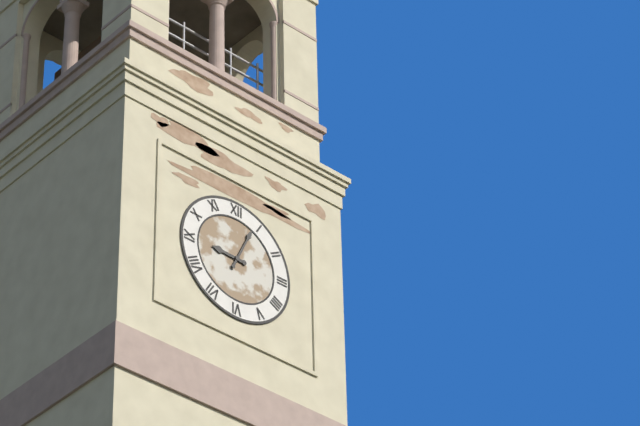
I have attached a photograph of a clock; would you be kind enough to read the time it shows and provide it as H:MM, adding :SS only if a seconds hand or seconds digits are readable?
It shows 9:04
